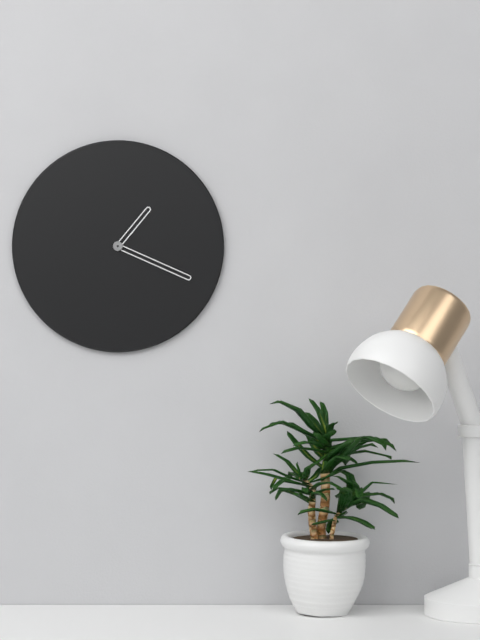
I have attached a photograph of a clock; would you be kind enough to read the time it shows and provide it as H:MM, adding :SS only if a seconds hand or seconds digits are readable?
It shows 1:19
